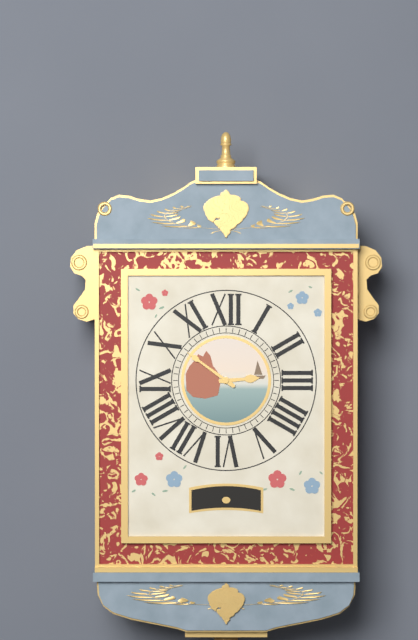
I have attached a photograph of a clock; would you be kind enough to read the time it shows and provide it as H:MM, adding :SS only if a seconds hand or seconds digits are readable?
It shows 2:51
